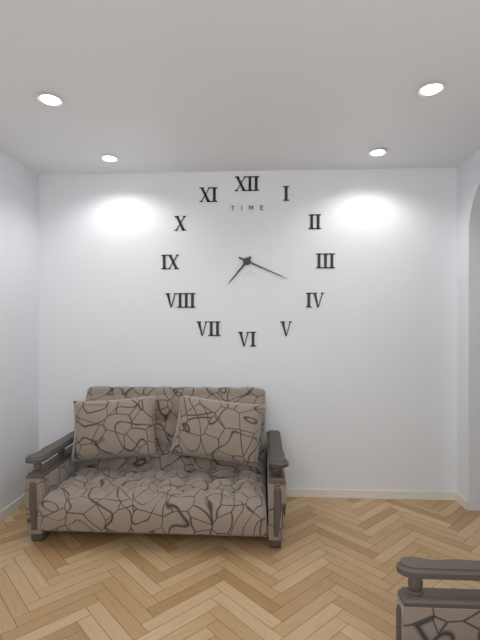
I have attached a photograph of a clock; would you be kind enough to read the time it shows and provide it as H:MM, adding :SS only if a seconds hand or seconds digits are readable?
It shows 7:19
